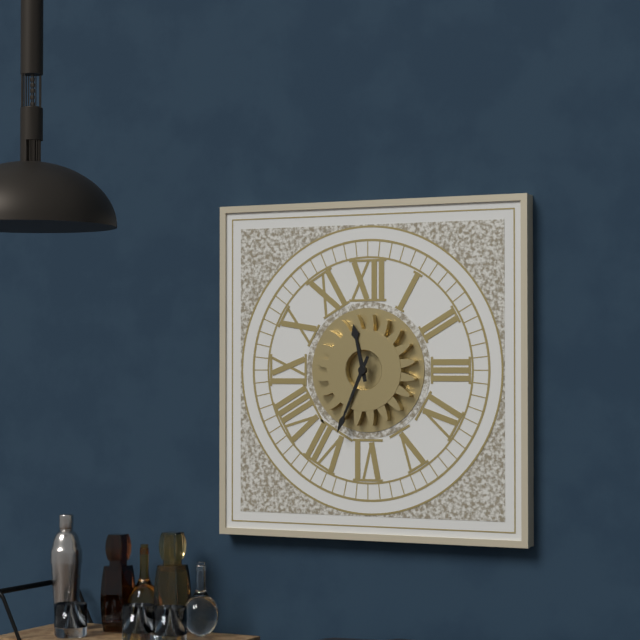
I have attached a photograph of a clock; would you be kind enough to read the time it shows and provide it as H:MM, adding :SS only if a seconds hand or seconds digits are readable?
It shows 11:34
